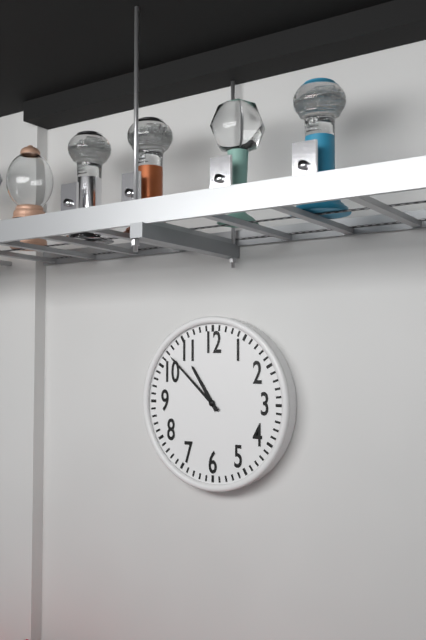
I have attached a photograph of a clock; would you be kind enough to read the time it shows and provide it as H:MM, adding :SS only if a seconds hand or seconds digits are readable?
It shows 10:52
